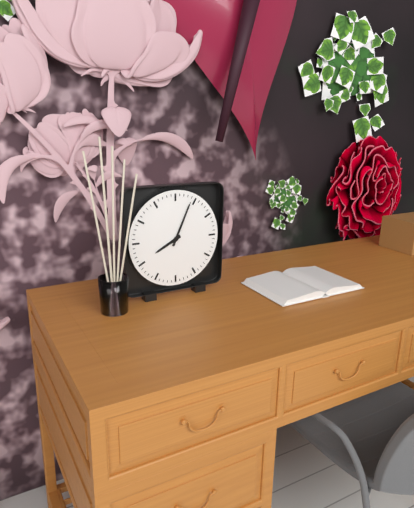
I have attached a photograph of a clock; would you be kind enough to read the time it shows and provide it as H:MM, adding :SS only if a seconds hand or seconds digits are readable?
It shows 8:04
